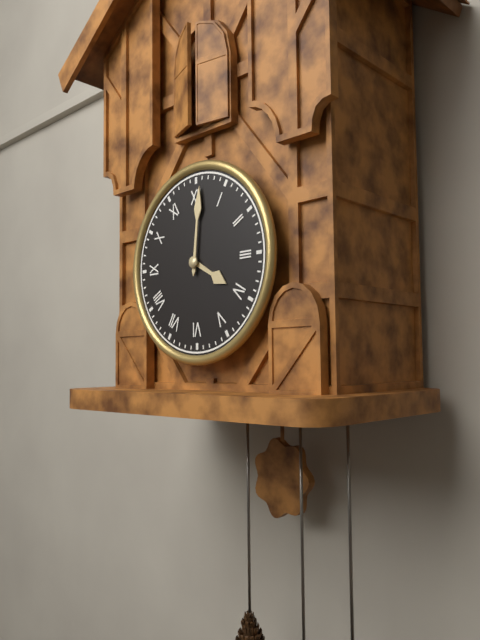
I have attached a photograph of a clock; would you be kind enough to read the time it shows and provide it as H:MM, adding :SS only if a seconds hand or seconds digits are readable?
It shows 4:01
